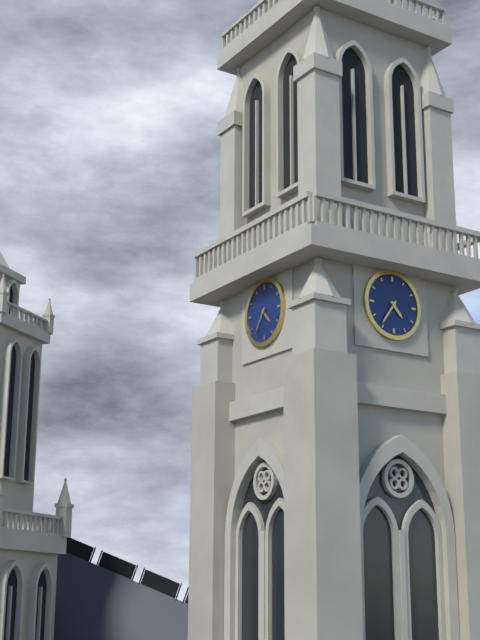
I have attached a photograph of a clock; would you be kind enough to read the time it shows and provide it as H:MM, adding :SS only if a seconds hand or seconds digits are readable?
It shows 4:36
